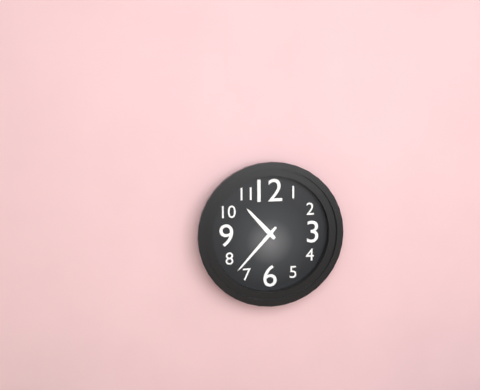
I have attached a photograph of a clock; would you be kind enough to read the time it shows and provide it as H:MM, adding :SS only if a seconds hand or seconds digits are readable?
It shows 10:37
